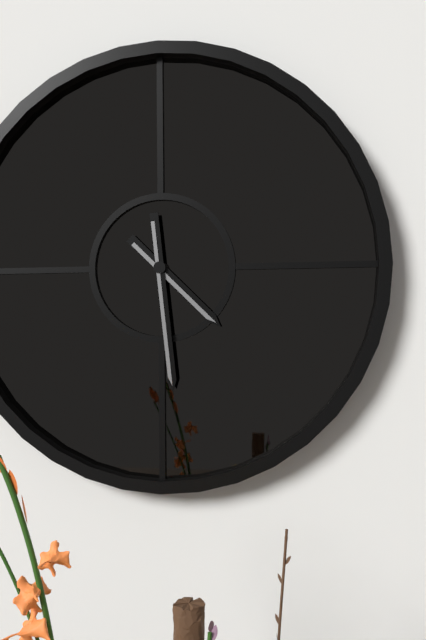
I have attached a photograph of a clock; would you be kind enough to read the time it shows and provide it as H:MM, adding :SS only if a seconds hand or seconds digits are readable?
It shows 4:29
